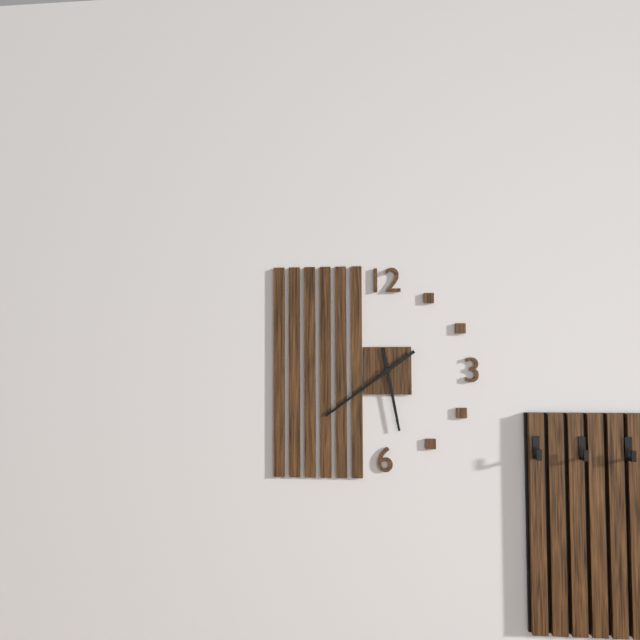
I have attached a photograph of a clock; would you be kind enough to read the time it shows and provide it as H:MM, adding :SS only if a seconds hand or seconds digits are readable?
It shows 5:39
